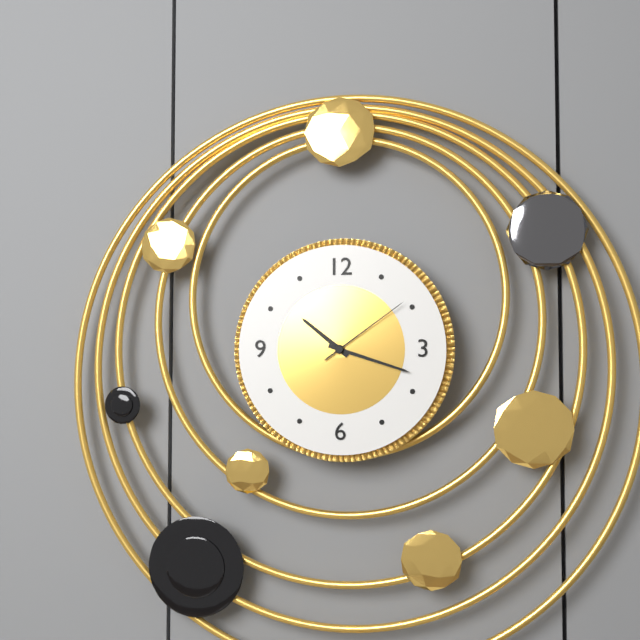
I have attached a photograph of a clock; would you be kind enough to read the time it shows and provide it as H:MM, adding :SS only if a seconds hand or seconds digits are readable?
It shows 10:18:09
